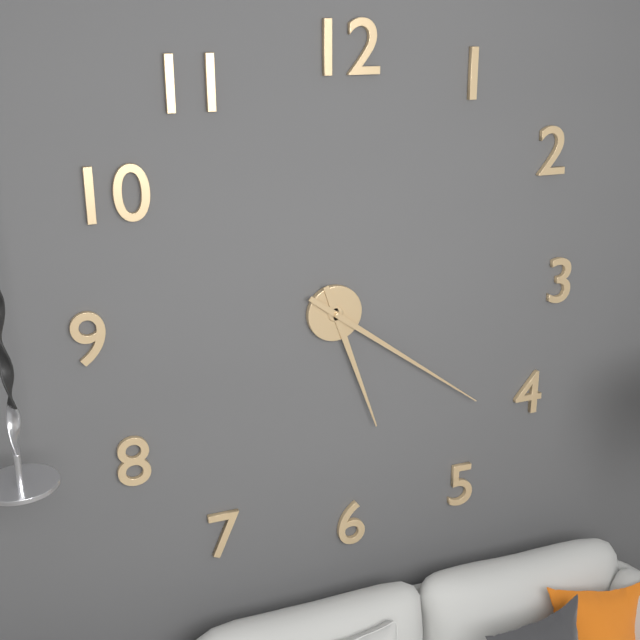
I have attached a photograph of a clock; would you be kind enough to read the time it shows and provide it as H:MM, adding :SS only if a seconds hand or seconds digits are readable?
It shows 5:21
